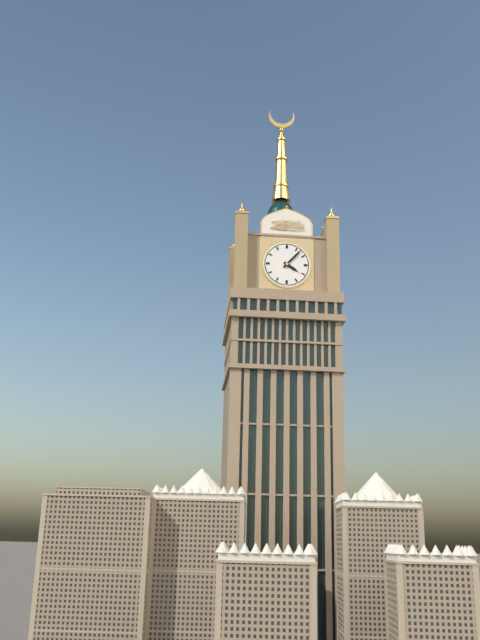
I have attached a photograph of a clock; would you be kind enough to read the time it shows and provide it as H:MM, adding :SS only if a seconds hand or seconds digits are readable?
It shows 4:07
